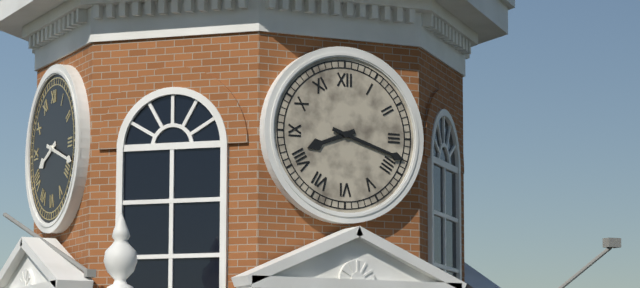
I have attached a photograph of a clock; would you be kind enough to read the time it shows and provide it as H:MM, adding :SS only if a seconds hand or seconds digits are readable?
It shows 8:18
